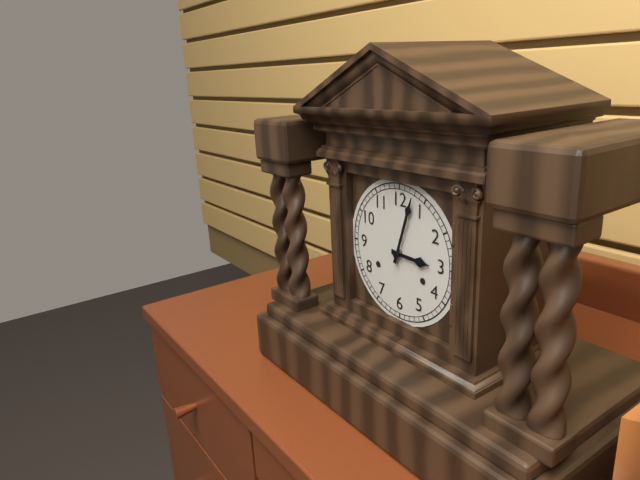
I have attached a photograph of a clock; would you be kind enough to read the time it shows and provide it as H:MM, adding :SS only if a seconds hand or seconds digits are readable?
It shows 3:03
